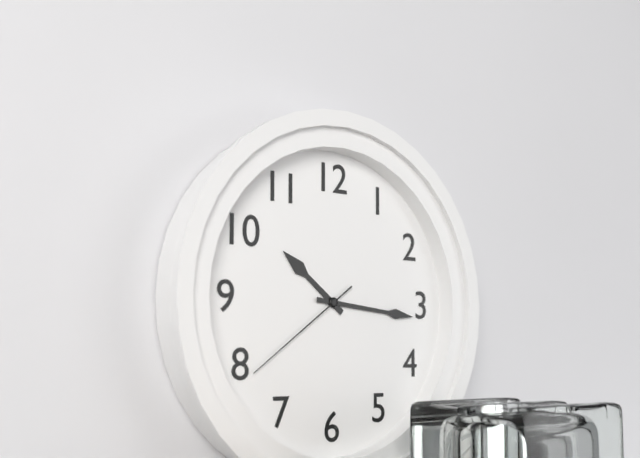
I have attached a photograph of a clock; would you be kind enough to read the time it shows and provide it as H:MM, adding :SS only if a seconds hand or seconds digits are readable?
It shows 10:16:39
